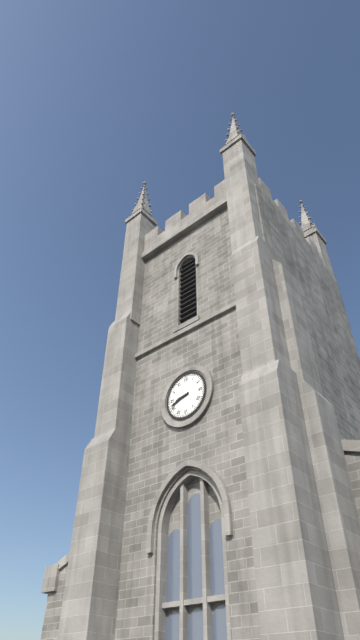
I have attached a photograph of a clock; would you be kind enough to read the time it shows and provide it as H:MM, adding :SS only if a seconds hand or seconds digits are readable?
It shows 8:42
